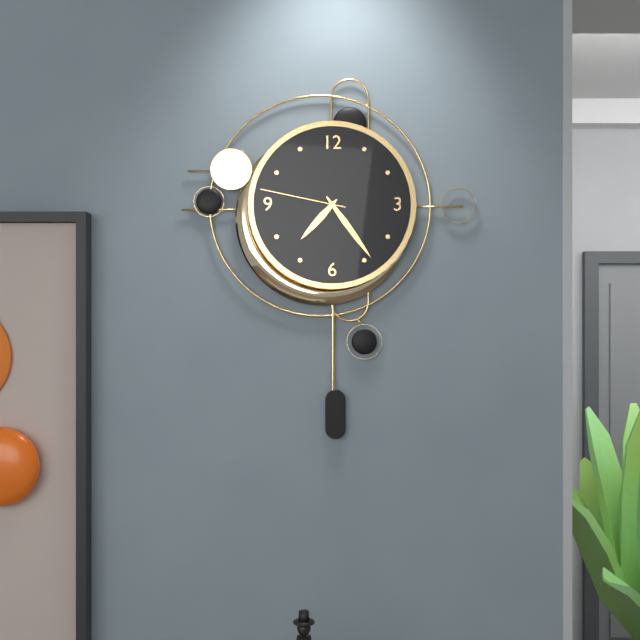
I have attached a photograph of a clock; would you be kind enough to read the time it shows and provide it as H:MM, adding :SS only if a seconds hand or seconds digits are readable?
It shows 7:24:47
